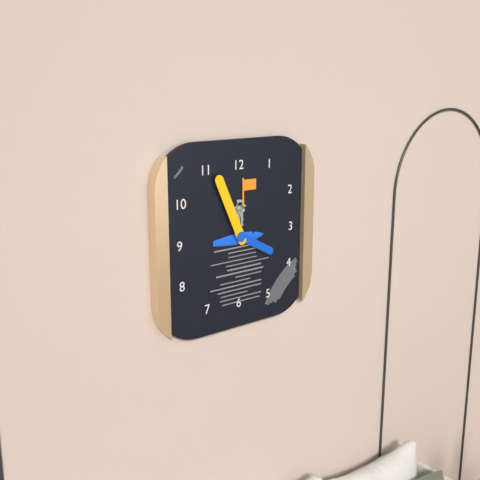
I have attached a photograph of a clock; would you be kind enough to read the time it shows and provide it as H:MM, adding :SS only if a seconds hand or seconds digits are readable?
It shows 3:56
